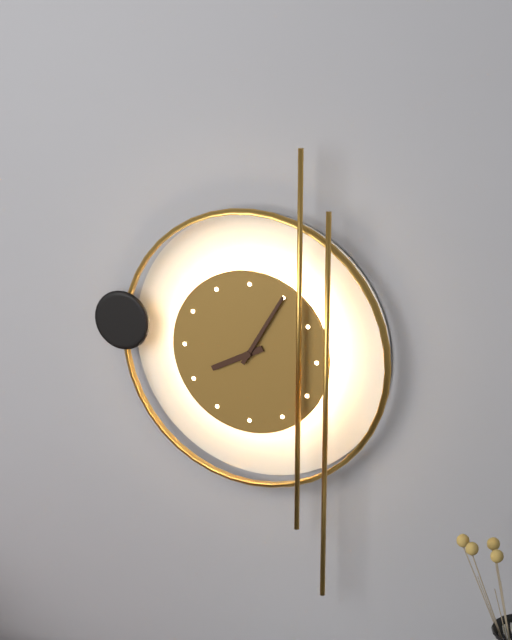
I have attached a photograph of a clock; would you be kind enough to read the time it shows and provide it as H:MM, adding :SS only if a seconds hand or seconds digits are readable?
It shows 8:05
